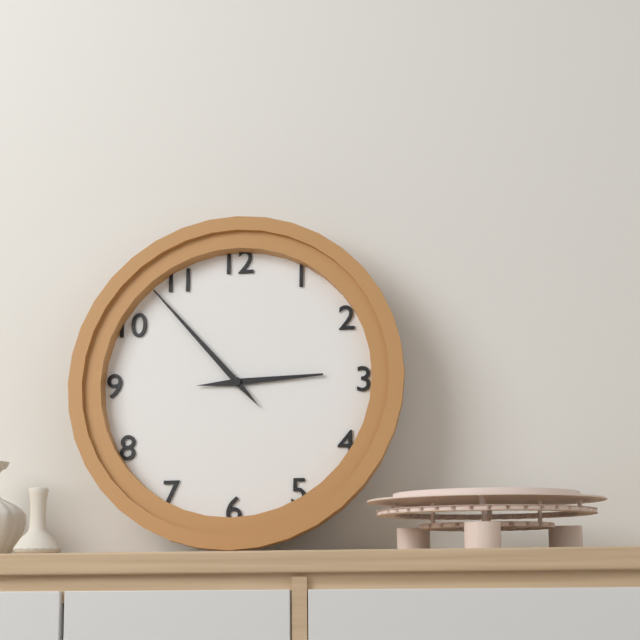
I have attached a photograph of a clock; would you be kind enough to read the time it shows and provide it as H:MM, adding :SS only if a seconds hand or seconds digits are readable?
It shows 2:53
